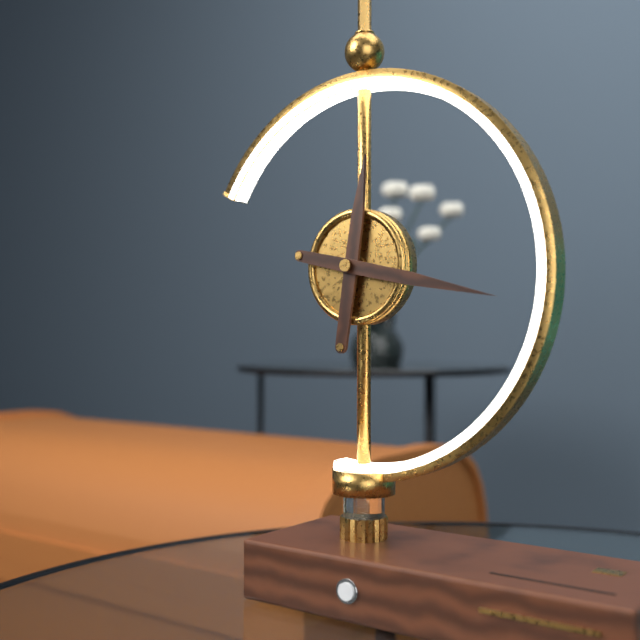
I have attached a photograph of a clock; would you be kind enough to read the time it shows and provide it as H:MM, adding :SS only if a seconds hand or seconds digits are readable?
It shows 12:17
